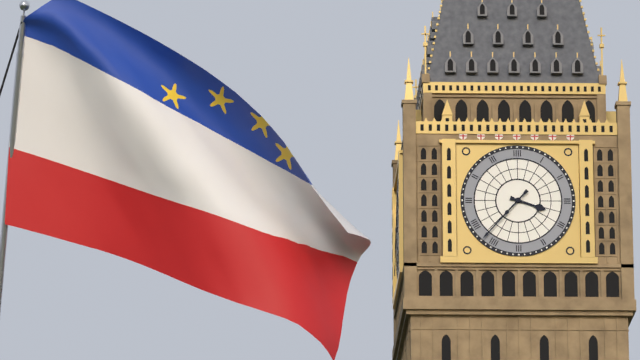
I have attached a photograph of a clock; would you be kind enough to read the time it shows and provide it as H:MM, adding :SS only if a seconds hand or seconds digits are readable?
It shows 3:37
